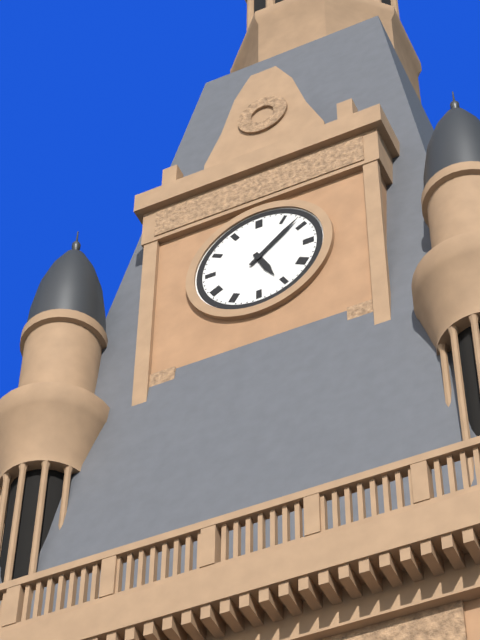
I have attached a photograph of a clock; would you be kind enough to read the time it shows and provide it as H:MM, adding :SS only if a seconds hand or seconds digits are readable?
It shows 5:08
